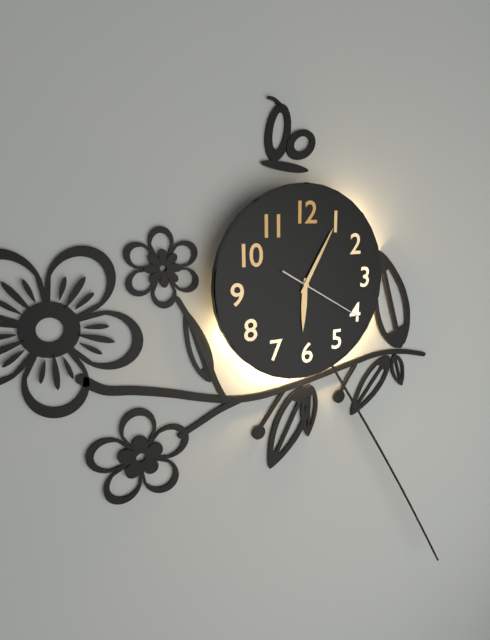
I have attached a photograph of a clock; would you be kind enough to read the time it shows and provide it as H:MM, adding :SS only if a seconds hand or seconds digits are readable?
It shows 6:05:20
